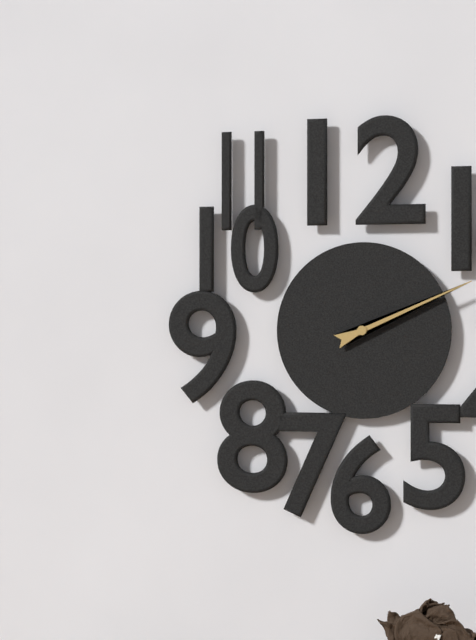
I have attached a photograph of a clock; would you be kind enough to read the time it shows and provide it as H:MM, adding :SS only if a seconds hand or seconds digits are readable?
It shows 2:11
